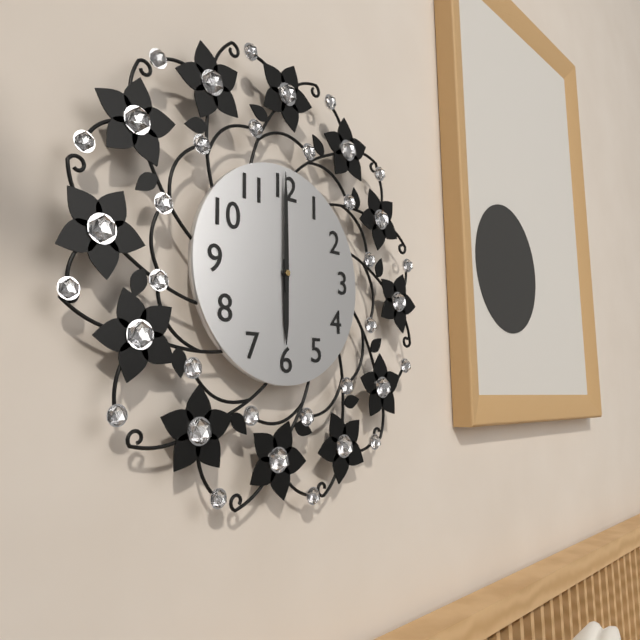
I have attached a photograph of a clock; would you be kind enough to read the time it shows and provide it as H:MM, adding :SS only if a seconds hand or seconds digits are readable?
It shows 6:00
